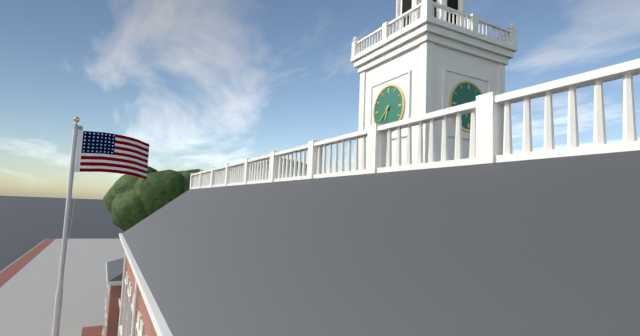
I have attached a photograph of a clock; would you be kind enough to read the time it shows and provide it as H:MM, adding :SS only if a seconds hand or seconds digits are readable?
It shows 6:38
